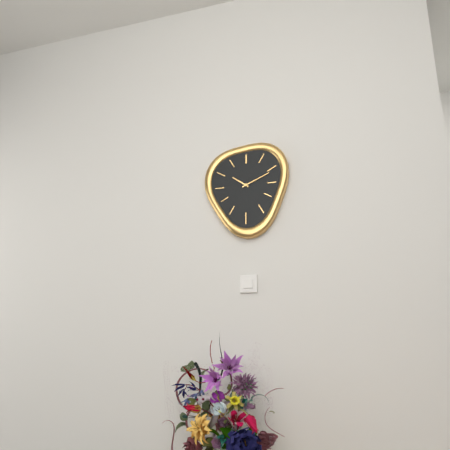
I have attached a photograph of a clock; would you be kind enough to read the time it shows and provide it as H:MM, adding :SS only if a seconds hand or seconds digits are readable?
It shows 10:11
